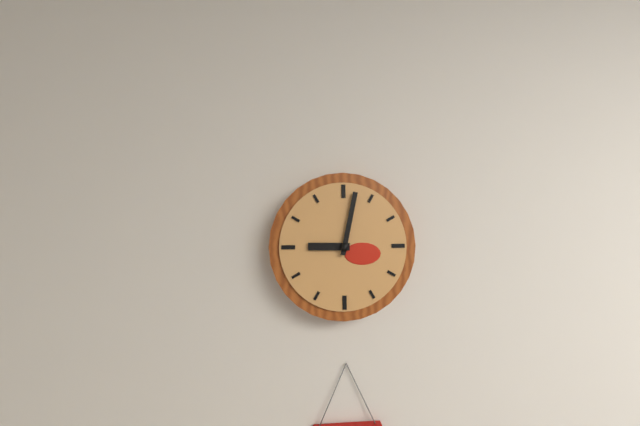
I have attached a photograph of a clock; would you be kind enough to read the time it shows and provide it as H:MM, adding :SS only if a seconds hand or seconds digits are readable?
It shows 9:02
